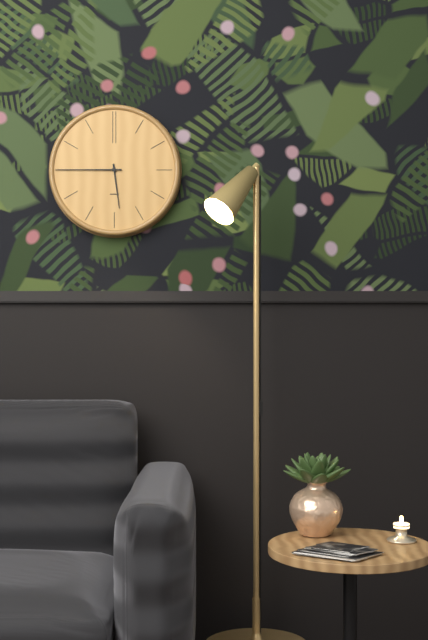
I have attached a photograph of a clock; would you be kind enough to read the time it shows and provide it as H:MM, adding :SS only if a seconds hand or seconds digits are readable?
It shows 5:45
